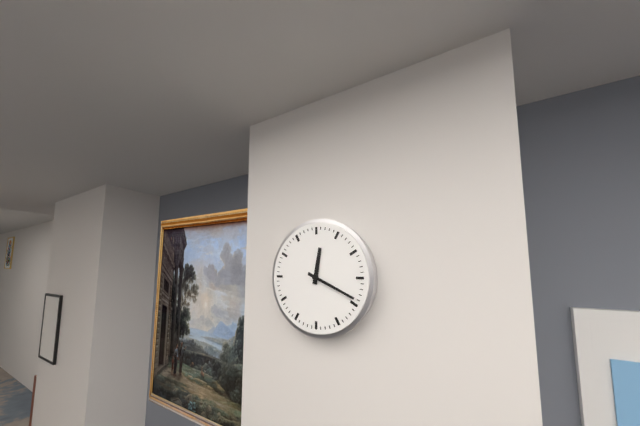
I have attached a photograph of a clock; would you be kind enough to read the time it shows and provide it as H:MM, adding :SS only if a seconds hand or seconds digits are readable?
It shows 12:19
